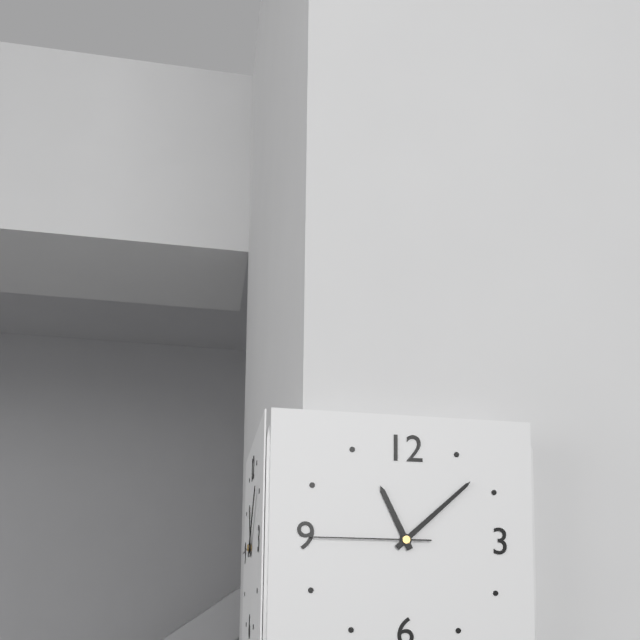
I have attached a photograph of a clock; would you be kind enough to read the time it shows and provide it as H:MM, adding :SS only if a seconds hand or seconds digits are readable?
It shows 11:08:45
